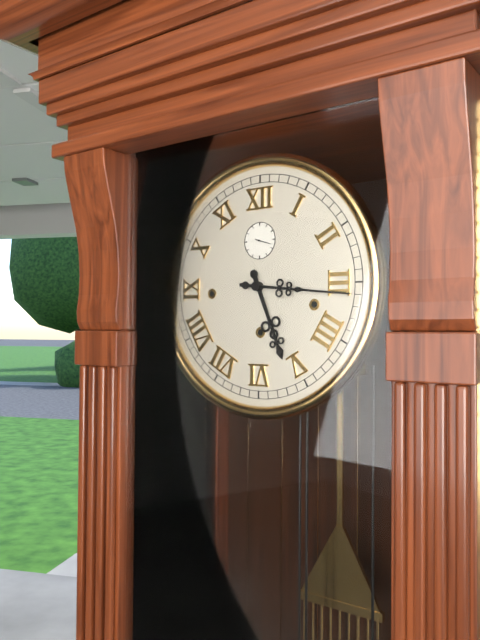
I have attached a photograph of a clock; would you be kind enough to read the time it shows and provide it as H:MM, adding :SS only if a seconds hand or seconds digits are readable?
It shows 5:16
